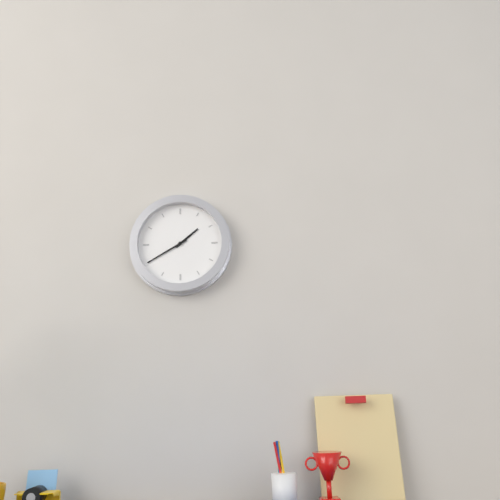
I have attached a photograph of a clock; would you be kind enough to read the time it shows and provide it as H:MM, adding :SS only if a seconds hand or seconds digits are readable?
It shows 1:40
